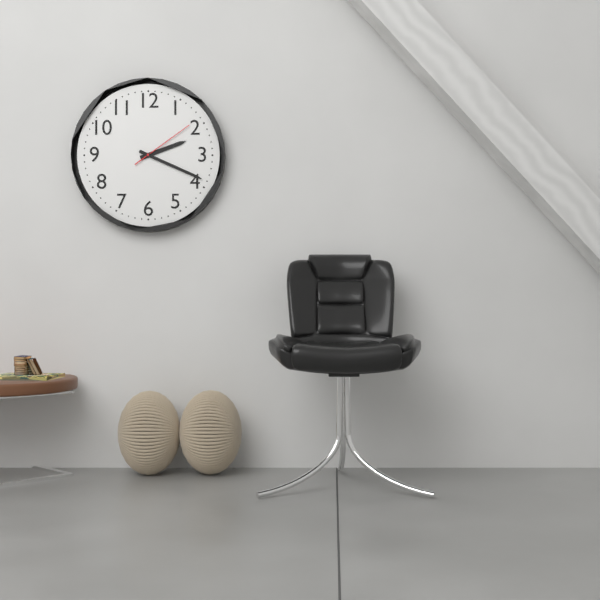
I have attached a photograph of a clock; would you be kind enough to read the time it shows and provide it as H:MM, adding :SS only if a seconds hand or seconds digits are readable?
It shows 2:19:09
